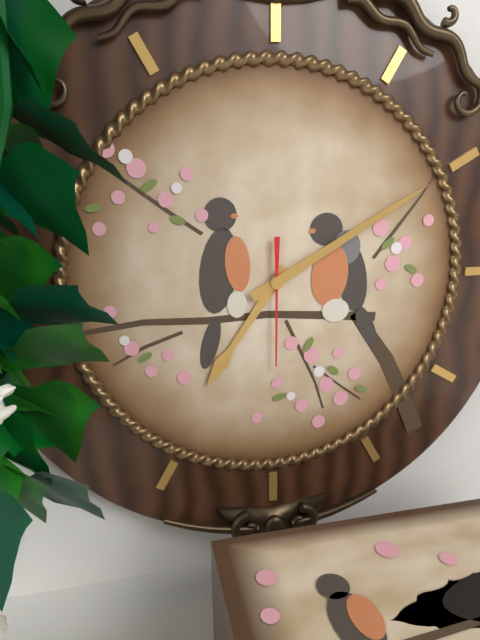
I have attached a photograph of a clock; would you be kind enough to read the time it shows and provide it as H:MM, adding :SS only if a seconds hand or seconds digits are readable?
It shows 7:10:30
